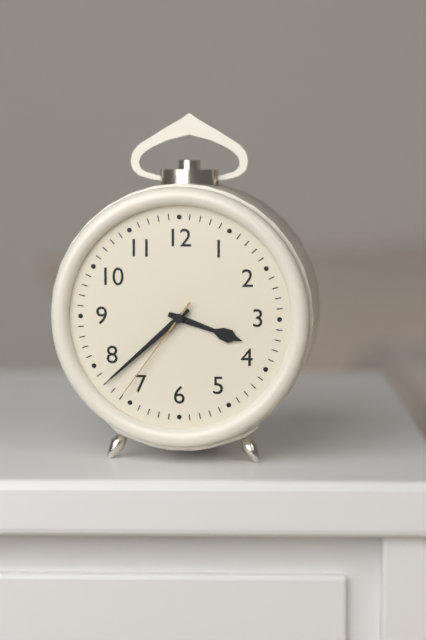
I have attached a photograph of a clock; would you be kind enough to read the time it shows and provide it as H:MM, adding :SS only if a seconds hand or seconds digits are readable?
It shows 3:38:36
